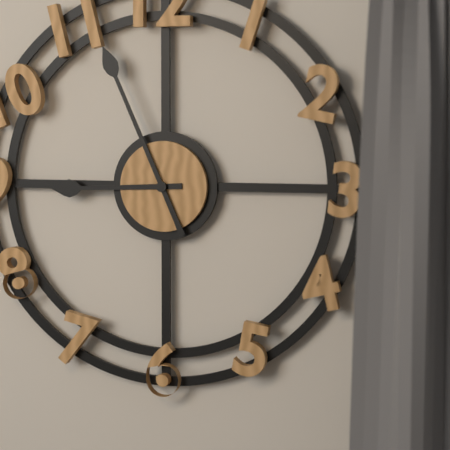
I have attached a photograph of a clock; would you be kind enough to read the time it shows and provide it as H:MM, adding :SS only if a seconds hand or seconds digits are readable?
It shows 8:56
